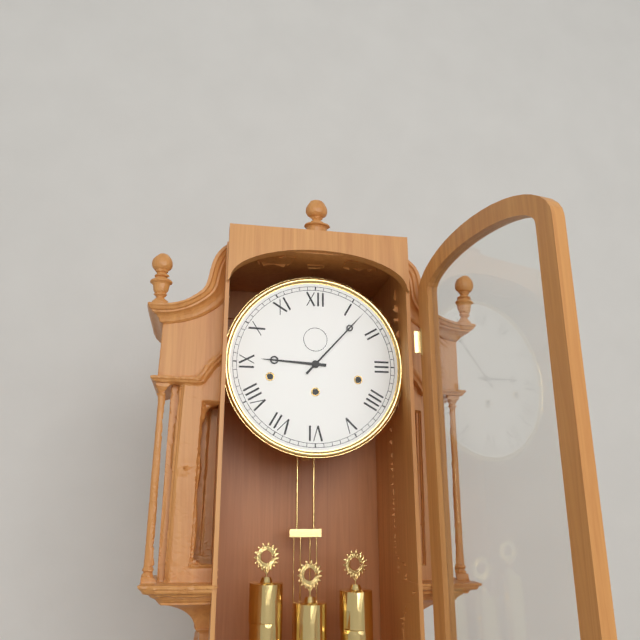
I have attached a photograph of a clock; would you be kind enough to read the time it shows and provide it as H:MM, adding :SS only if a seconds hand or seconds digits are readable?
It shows 9:07
